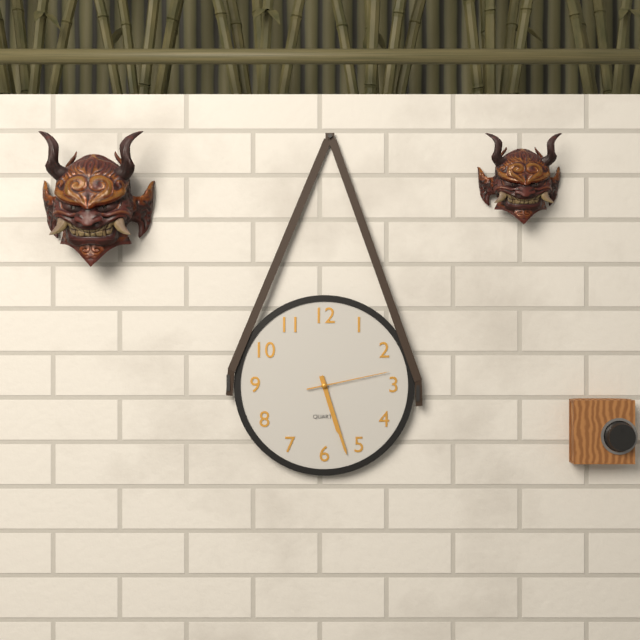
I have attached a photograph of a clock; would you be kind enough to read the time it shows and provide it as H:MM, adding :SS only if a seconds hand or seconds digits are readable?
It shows 5:27:13
